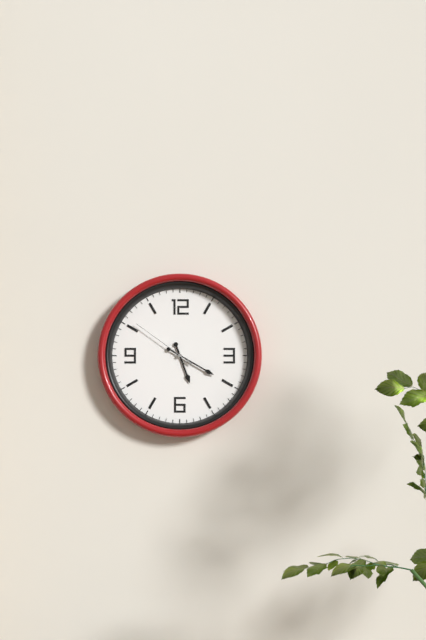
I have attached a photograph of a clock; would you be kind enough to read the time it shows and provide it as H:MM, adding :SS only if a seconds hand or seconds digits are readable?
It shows 5:20:51
